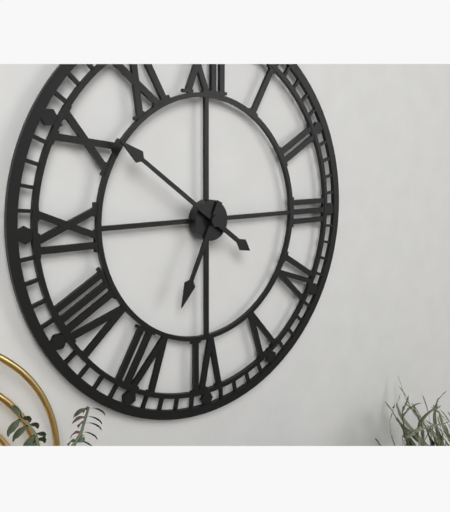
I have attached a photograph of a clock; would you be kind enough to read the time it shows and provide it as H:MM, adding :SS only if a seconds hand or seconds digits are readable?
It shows 6:51
